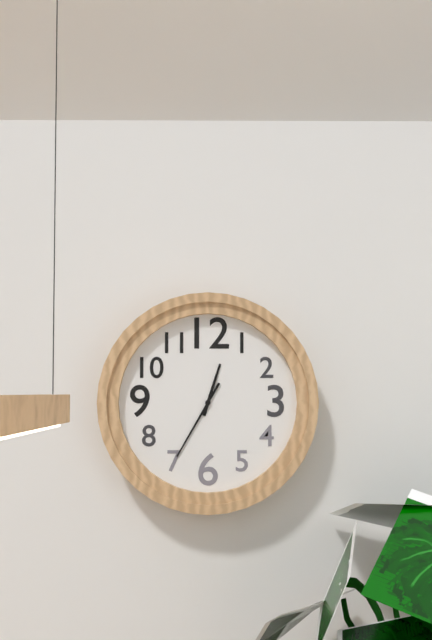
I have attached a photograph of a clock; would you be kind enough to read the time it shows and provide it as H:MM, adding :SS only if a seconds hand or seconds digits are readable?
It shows 12:35
